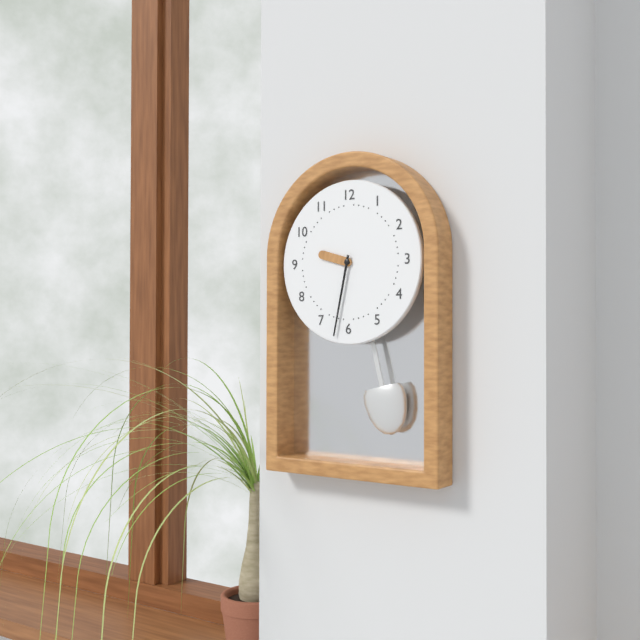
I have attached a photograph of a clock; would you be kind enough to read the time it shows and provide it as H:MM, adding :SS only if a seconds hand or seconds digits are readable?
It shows 9:32
